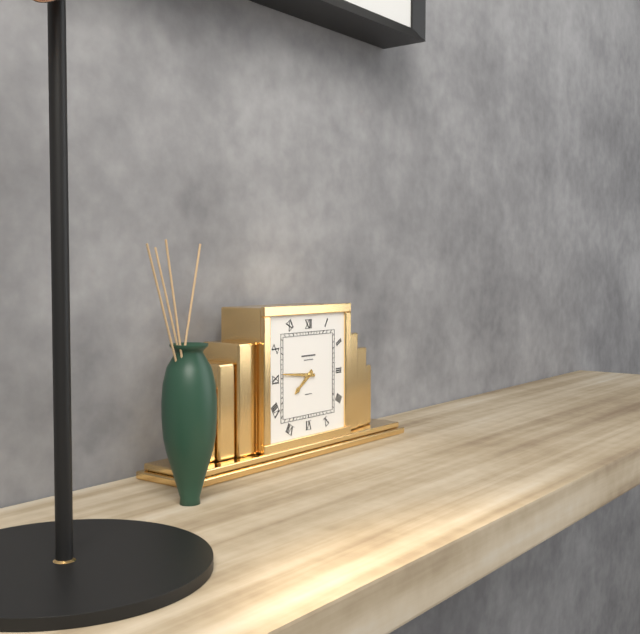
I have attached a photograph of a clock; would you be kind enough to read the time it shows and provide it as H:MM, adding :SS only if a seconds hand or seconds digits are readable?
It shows 7:46
